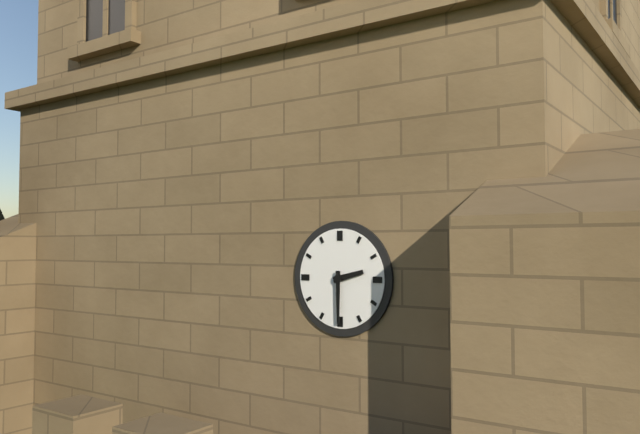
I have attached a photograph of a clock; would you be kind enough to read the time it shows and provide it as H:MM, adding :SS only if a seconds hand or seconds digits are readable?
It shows 2:30
